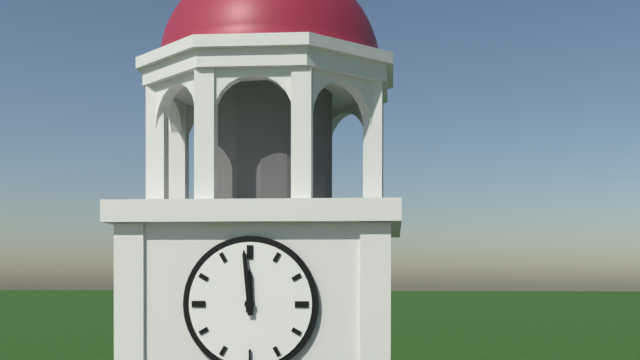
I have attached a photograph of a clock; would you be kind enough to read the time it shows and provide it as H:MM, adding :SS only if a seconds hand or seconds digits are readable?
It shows 11:59
